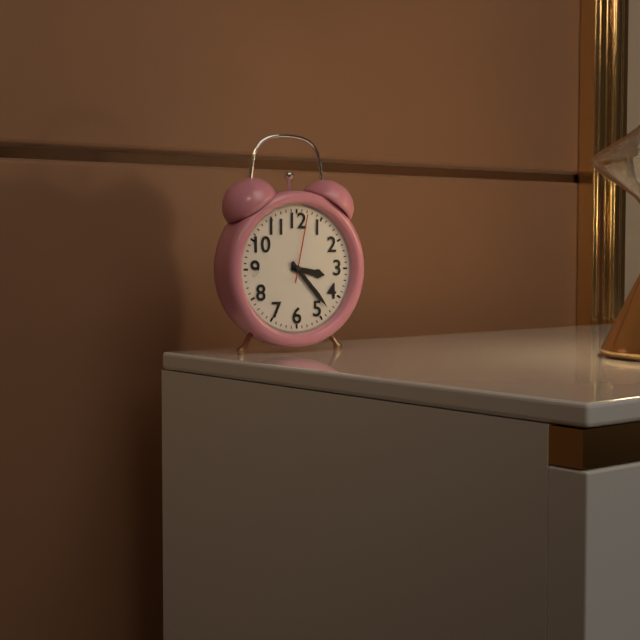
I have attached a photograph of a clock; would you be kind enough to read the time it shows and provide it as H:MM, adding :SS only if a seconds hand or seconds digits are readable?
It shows 3:23:02
